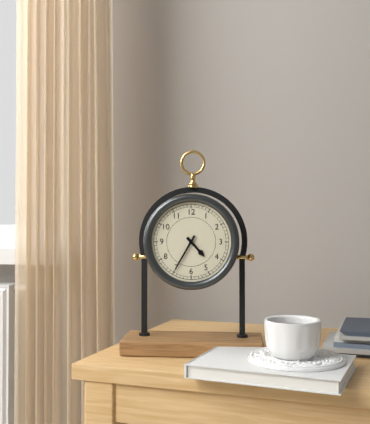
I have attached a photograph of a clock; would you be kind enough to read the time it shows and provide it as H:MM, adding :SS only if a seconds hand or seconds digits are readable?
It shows 4:35
